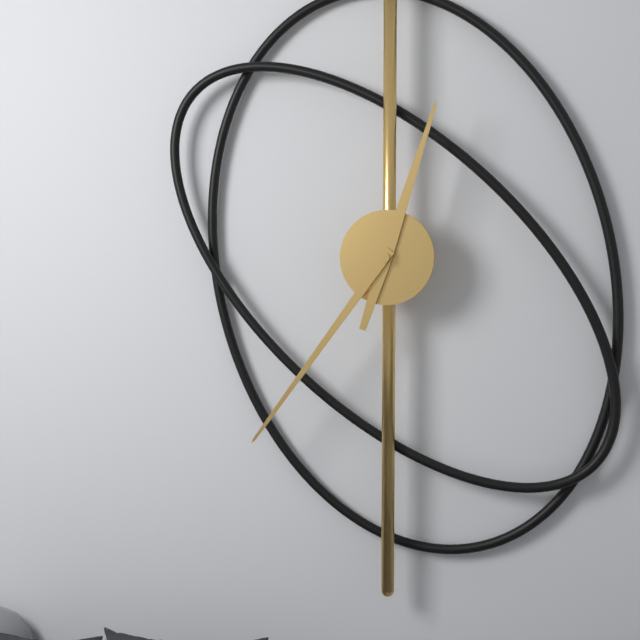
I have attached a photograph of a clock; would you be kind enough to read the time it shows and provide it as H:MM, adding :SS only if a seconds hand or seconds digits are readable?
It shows 12:36
